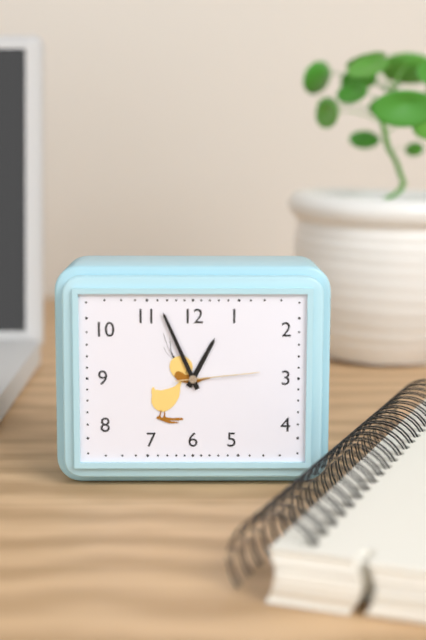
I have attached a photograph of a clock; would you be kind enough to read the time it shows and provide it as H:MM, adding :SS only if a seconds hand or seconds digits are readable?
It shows 12:56:14
